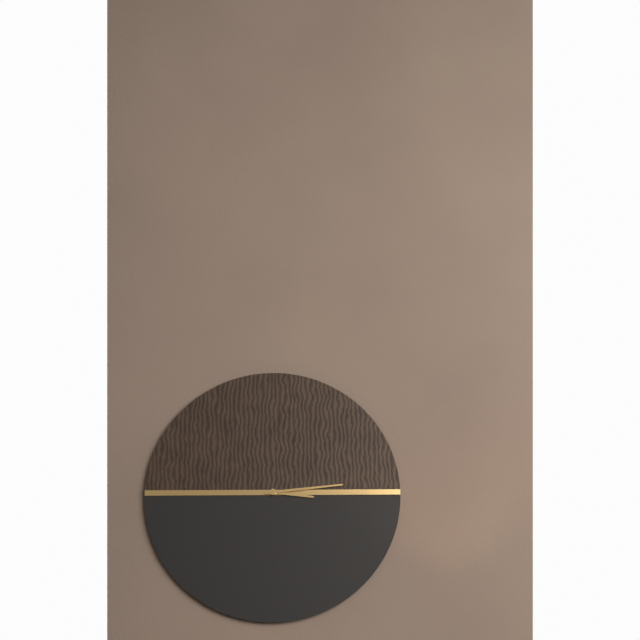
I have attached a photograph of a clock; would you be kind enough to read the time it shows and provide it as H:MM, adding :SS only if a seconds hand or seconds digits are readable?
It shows 3:14
